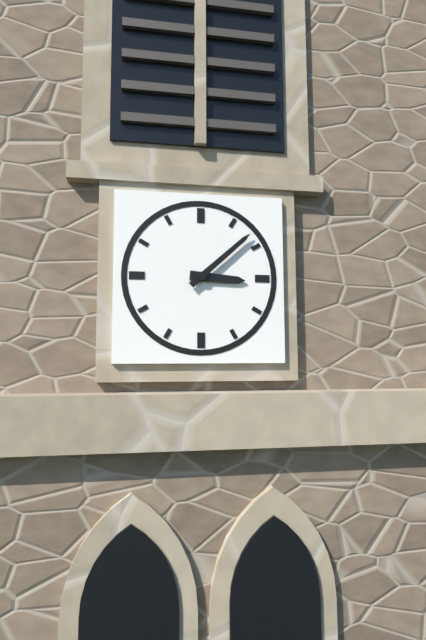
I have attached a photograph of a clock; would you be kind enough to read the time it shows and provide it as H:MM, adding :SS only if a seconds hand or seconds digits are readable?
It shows 3:08
